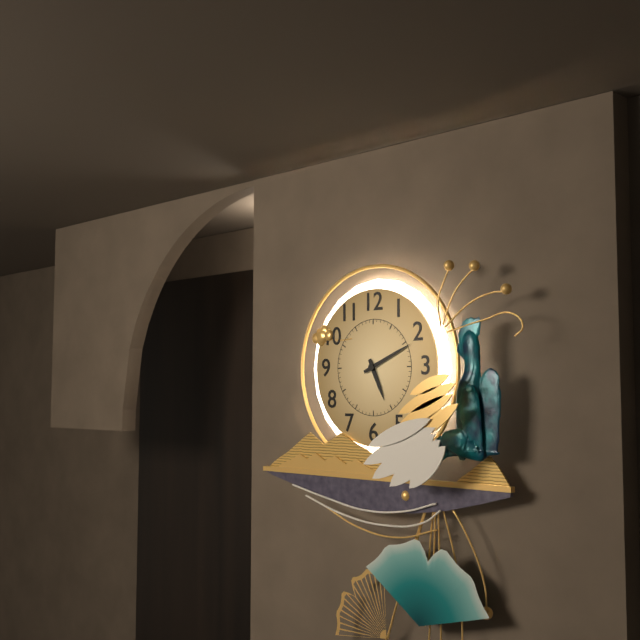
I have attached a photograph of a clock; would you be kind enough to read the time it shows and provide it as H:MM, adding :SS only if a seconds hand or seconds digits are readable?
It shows 5:11
